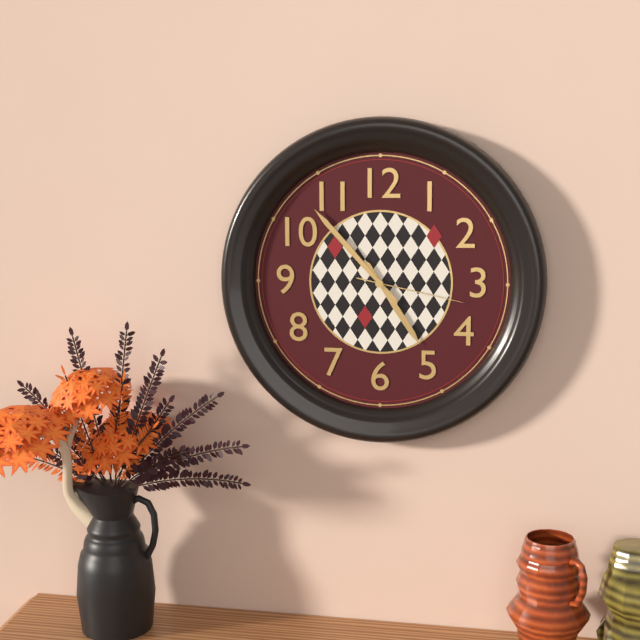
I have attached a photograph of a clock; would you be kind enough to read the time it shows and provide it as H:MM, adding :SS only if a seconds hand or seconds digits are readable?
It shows 4:53:17
